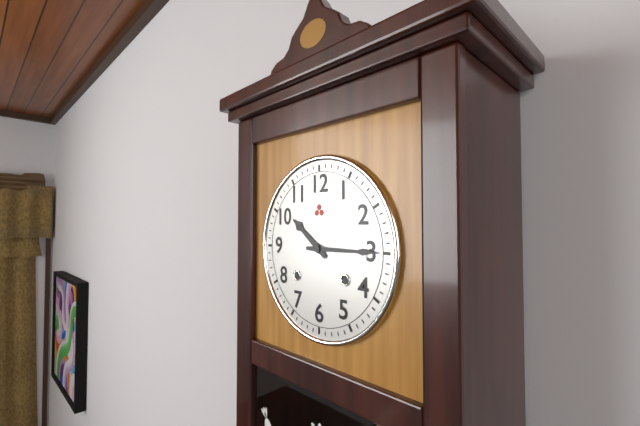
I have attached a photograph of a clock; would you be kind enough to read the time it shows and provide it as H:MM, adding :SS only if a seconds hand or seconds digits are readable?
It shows 10:15
